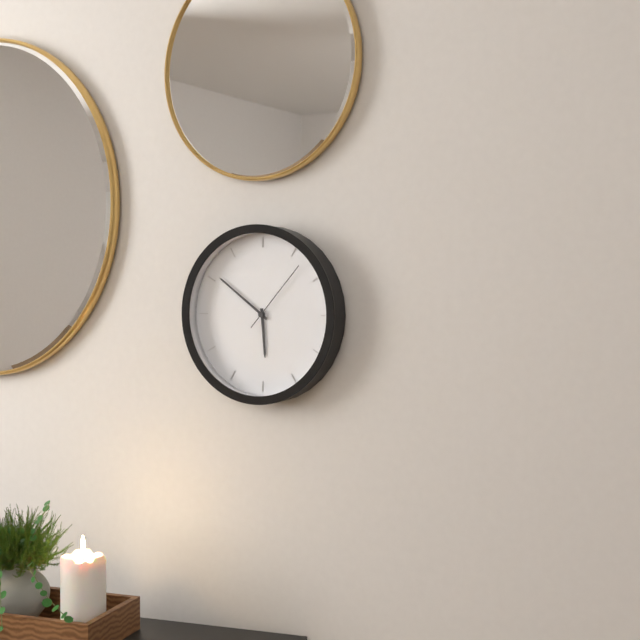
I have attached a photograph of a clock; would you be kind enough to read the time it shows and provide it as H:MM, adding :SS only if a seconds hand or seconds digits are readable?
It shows 5:51:07
